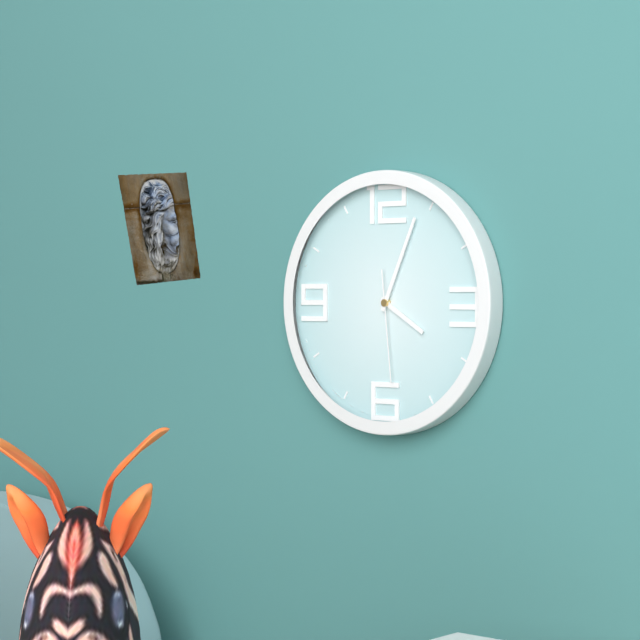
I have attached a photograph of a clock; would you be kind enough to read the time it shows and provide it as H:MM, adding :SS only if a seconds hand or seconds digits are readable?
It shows 4:04:29
